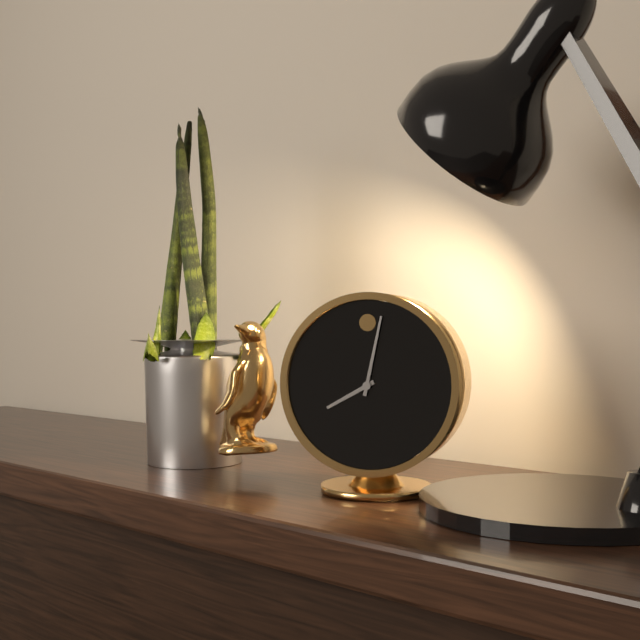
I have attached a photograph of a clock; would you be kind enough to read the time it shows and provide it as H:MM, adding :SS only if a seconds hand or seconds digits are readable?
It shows 8:02
